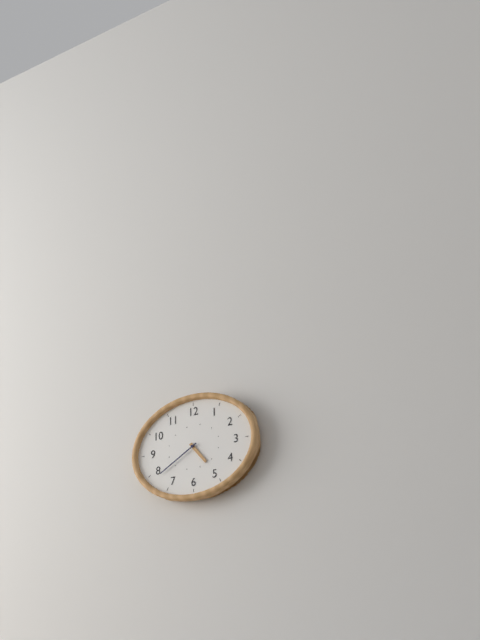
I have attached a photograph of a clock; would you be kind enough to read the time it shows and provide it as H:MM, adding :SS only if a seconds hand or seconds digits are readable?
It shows 4:40
